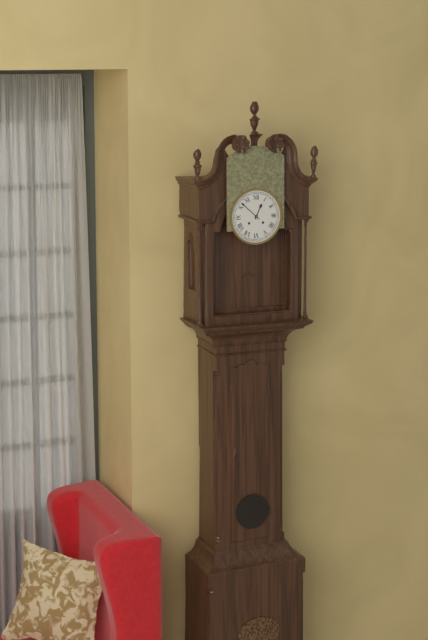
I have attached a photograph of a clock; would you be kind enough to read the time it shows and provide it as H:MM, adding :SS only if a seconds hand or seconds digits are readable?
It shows 12:52
